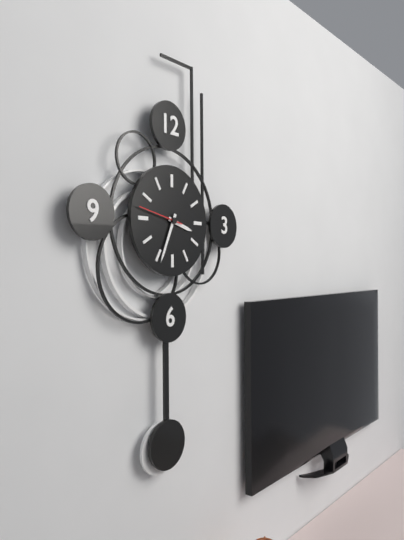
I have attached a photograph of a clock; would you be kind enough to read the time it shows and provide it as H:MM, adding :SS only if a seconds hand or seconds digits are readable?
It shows 3:34
